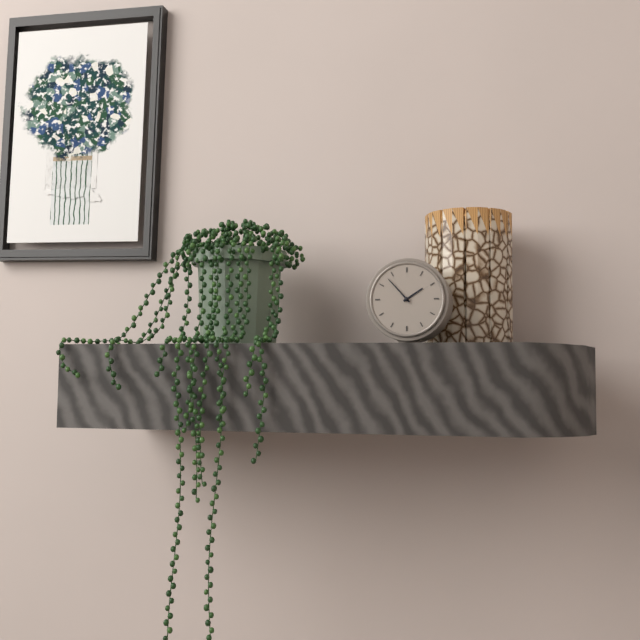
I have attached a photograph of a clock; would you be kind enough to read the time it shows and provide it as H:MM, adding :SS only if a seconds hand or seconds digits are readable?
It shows 1:53
